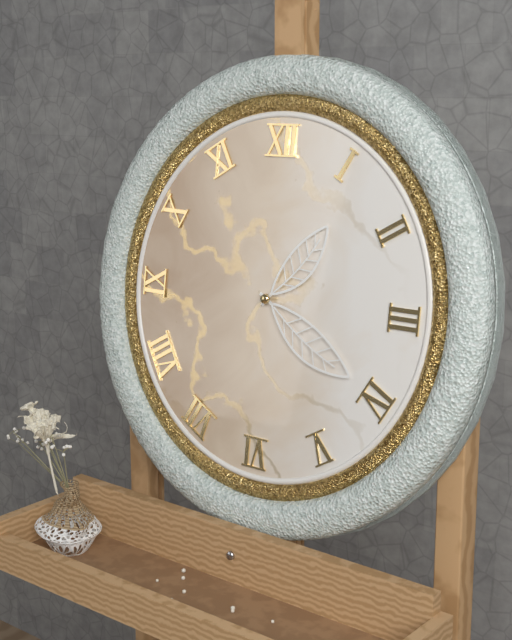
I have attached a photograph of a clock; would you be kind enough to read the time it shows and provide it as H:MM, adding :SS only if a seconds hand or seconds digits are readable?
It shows 1:20
